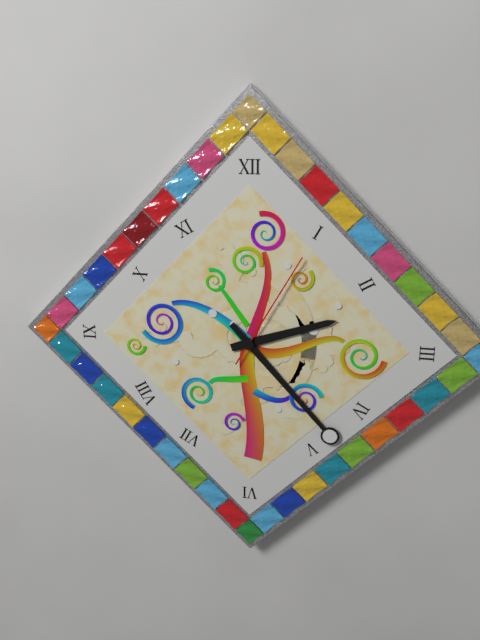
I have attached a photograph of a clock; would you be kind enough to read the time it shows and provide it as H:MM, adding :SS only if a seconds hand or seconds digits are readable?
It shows 2:23:05
